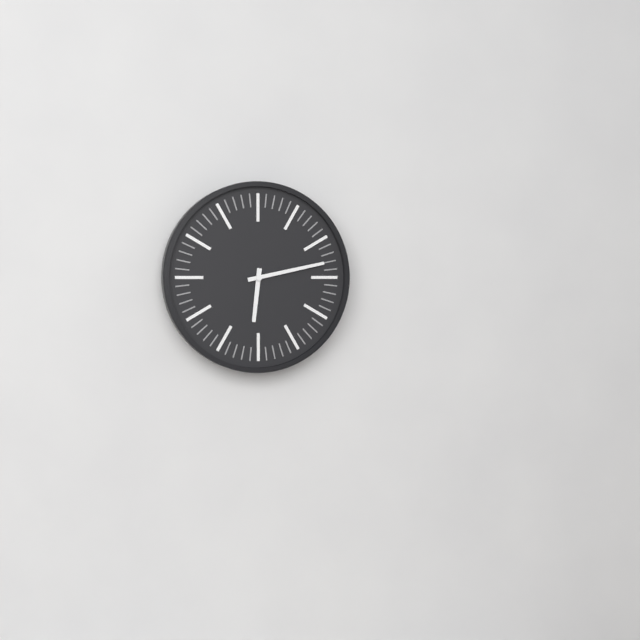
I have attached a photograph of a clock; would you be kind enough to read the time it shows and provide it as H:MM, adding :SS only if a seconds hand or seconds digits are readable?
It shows 6:13
